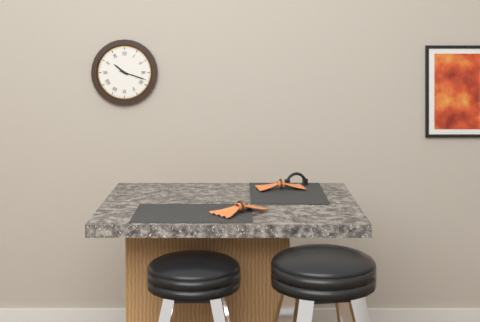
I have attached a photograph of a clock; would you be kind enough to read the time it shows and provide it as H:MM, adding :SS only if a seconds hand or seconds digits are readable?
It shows 10:18
